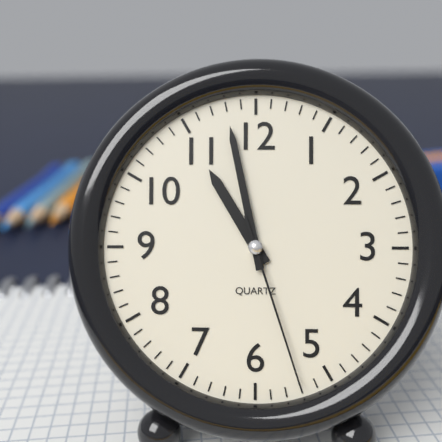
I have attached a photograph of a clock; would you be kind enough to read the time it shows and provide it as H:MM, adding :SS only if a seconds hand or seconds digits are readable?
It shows 10:58:27
